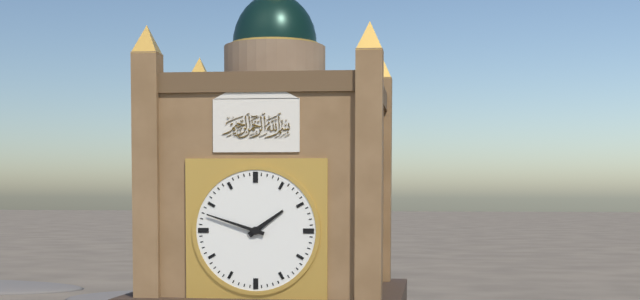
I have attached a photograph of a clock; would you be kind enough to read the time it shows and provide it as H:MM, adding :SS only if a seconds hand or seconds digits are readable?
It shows 1:48
